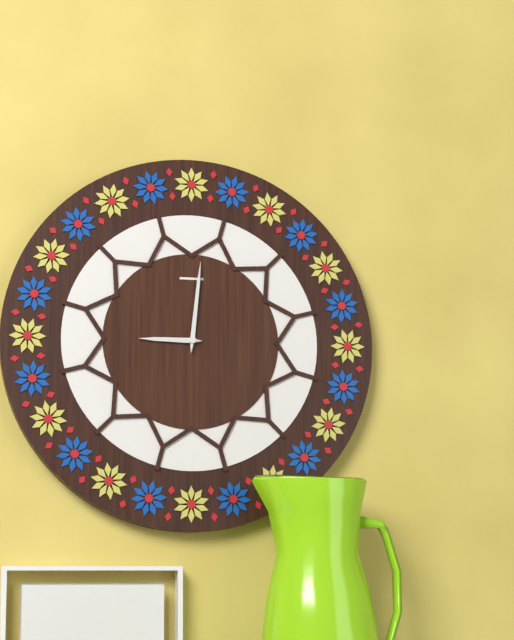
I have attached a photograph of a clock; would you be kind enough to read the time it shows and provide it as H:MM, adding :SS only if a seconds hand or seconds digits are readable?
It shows 9:01
